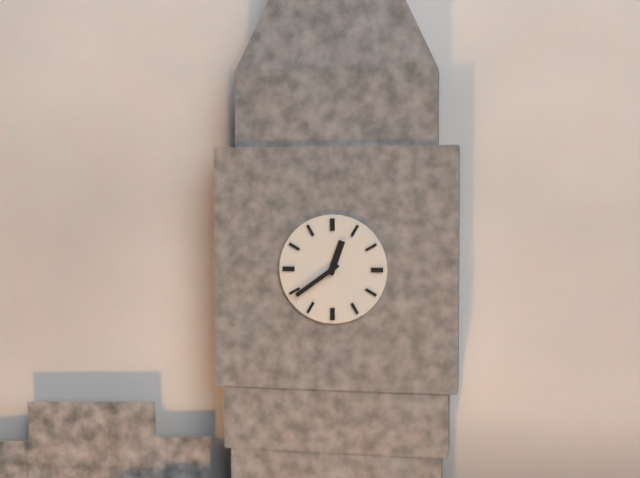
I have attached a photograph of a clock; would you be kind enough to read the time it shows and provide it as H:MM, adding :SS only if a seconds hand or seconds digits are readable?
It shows 12:39
